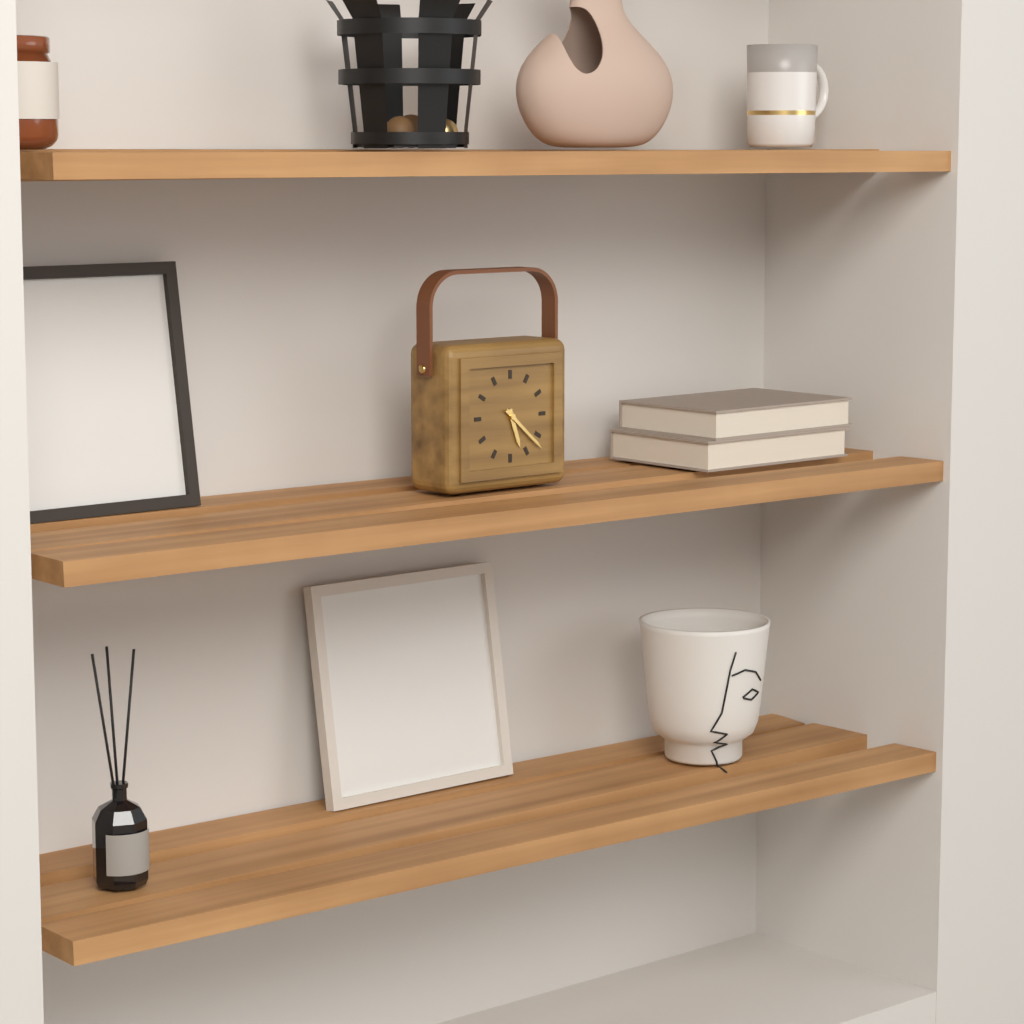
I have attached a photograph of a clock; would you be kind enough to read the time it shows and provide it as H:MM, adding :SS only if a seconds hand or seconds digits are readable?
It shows 5:22
